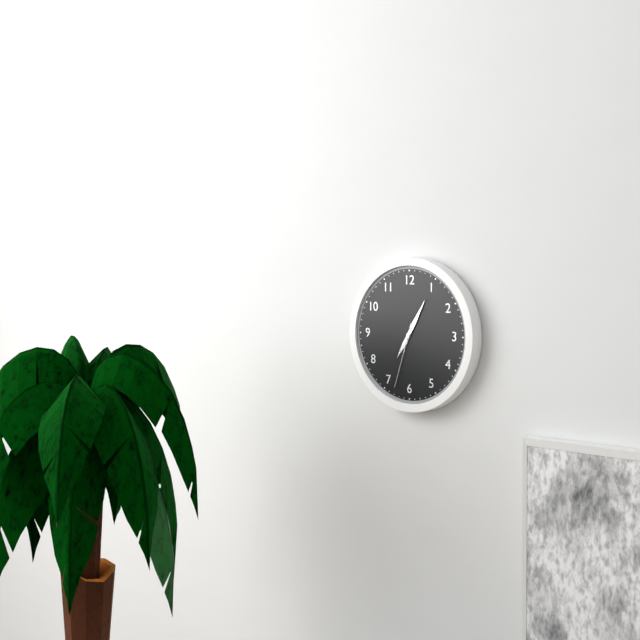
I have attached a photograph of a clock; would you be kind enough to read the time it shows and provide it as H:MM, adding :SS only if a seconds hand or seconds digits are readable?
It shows 7:05:33
